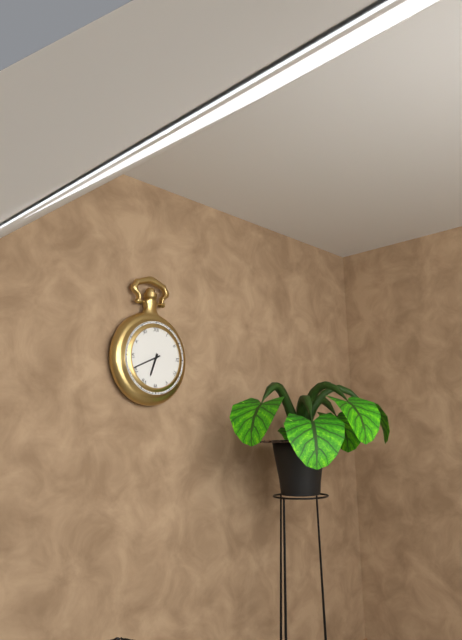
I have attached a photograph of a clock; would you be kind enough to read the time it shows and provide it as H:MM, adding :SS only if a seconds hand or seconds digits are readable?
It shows 6:41
